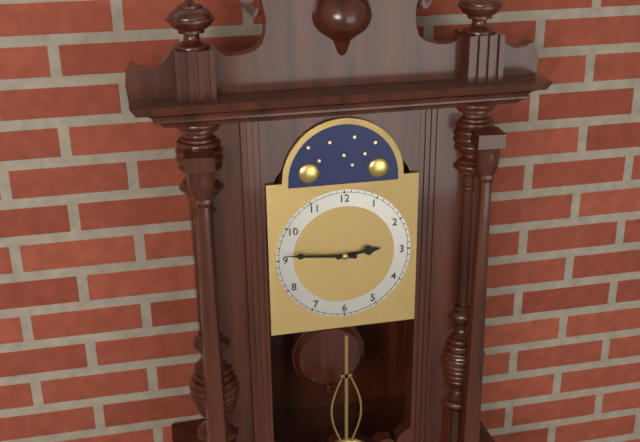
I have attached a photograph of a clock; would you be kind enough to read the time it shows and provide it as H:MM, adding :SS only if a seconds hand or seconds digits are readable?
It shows 2:46
